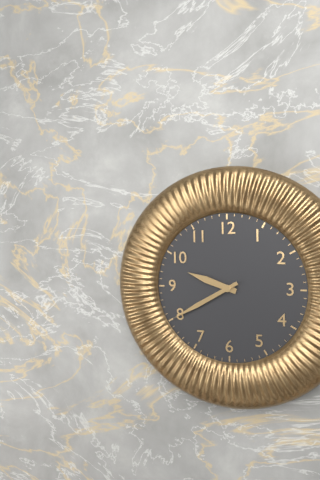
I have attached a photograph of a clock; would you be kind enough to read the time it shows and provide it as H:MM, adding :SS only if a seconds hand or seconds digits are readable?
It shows 9:40
